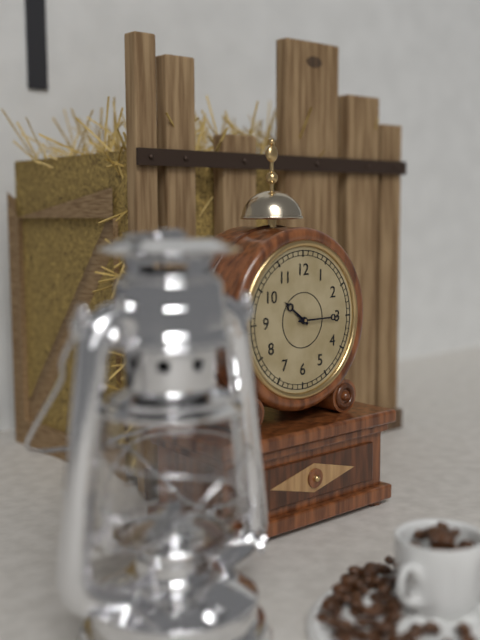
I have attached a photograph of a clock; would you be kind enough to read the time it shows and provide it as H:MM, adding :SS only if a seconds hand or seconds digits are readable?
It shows 10:15
